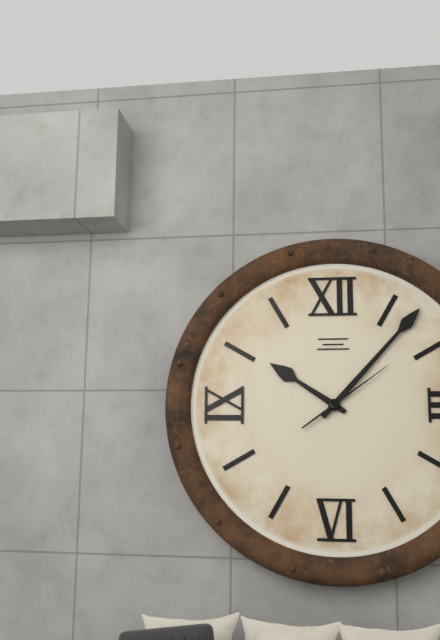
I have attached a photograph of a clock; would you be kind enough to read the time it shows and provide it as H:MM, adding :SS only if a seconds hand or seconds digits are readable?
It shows 10:07:09
